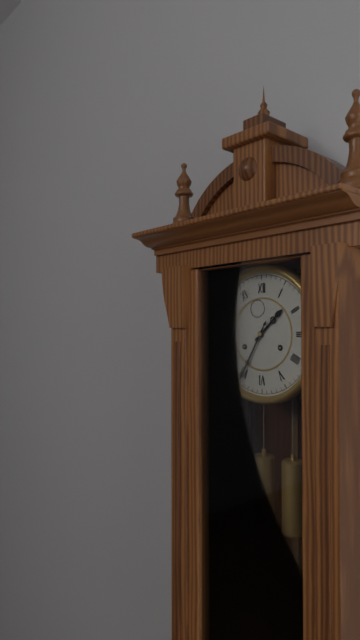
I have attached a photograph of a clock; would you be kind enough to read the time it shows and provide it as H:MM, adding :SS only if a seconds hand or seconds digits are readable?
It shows 1:35
